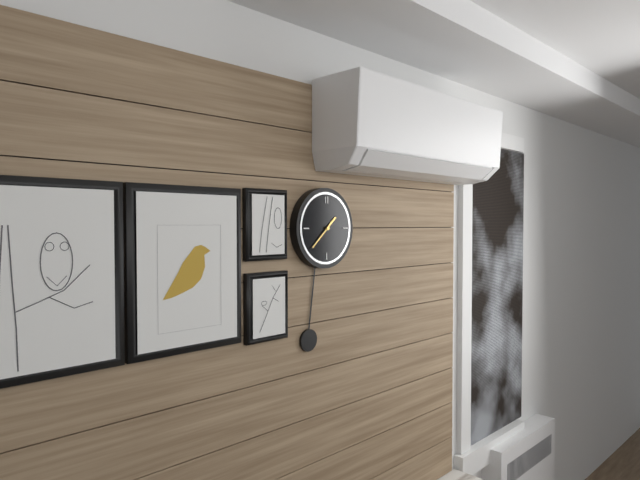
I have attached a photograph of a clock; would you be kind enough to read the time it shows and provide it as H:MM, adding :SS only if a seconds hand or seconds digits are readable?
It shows 1:38
